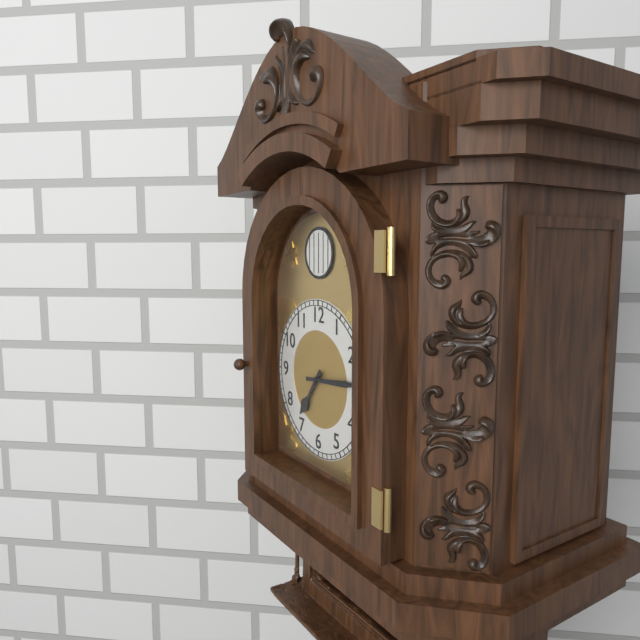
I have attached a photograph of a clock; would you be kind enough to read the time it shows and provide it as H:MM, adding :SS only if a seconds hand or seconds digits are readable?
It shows 7:14
